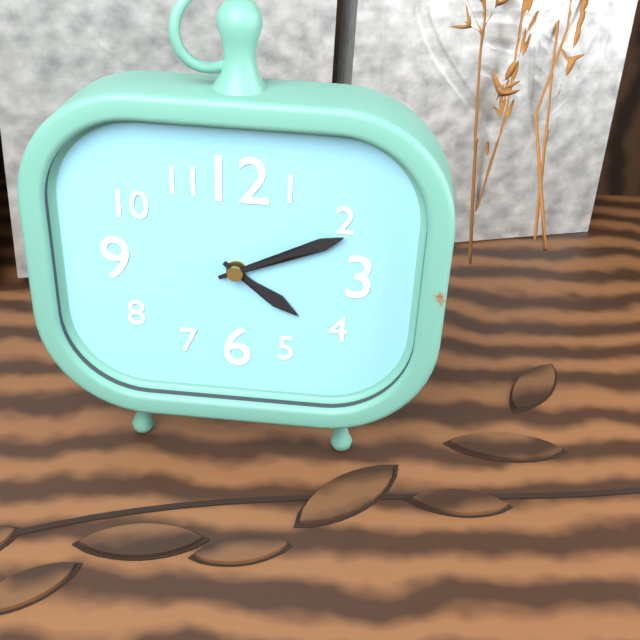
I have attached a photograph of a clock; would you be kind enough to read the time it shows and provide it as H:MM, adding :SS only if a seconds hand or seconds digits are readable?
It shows 4:11
